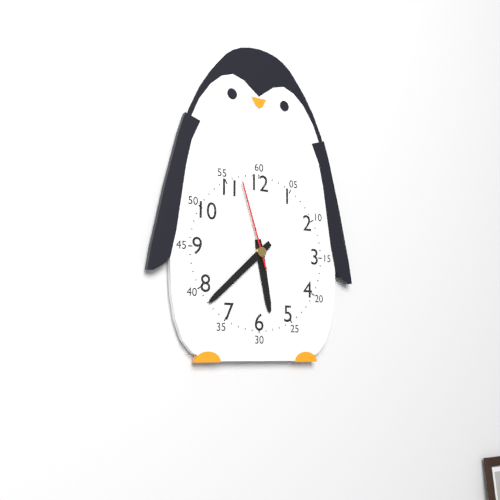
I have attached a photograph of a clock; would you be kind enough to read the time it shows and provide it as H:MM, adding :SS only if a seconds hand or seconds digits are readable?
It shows 5:38:57
